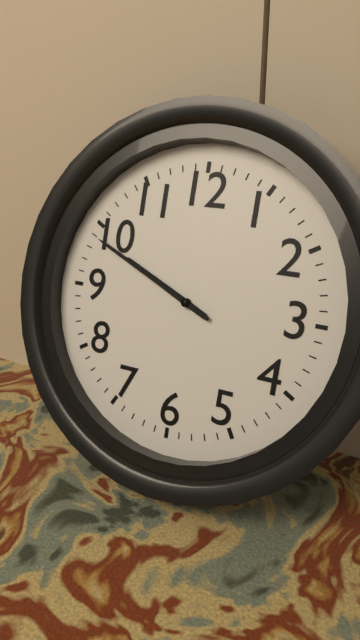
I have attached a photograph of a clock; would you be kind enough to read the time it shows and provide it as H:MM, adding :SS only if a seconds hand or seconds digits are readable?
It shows 9:49
